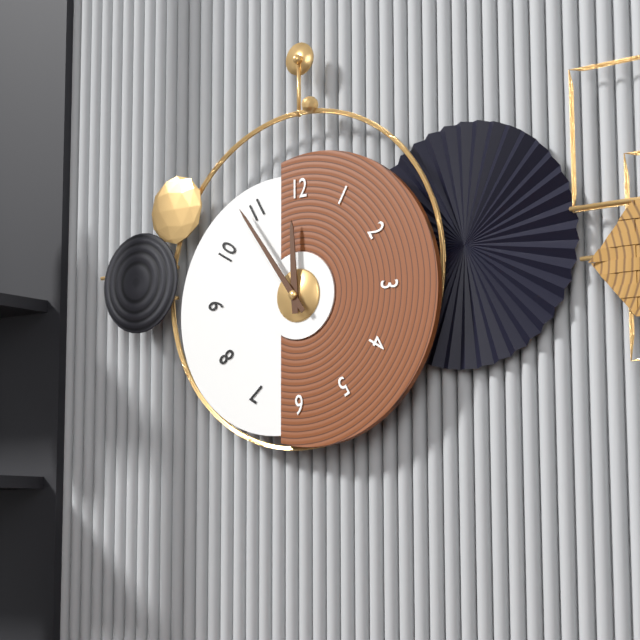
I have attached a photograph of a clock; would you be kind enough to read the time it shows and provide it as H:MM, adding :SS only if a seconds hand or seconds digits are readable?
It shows 11:54
